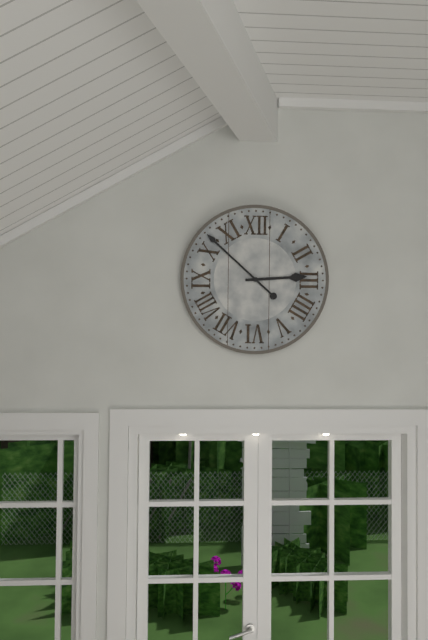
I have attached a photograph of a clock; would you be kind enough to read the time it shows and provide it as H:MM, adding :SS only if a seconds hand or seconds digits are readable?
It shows 2:52
